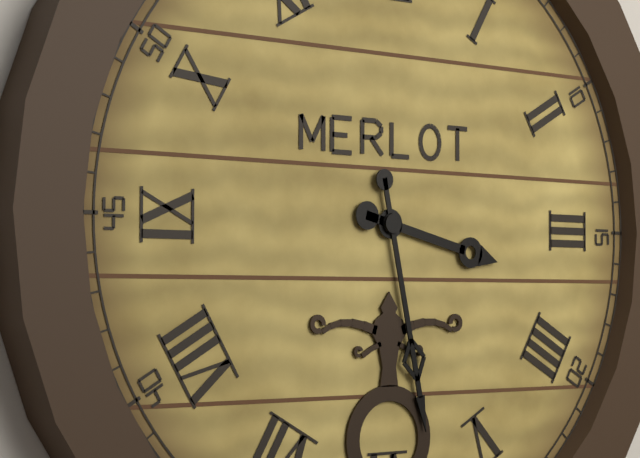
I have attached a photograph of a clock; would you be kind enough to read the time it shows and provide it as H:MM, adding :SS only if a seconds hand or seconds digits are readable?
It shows 3:28
